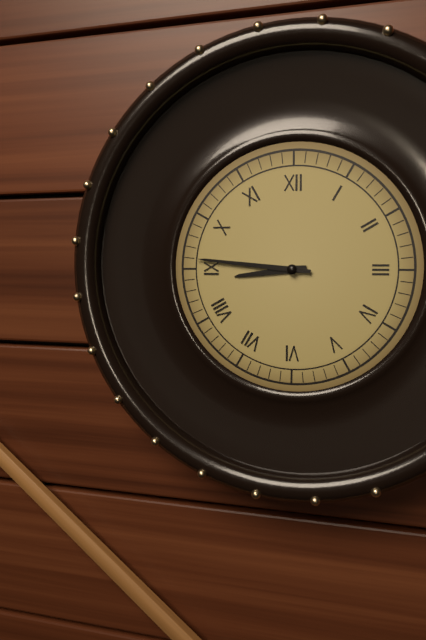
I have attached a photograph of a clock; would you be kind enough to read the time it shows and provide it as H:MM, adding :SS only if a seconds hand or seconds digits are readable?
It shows 8:46
